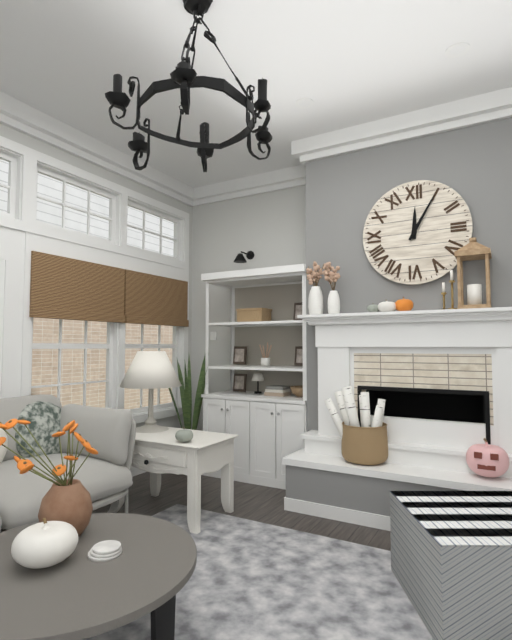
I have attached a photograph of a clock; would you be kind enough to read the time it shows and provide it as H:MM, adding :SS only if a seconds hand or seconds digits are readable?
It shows 12:05
